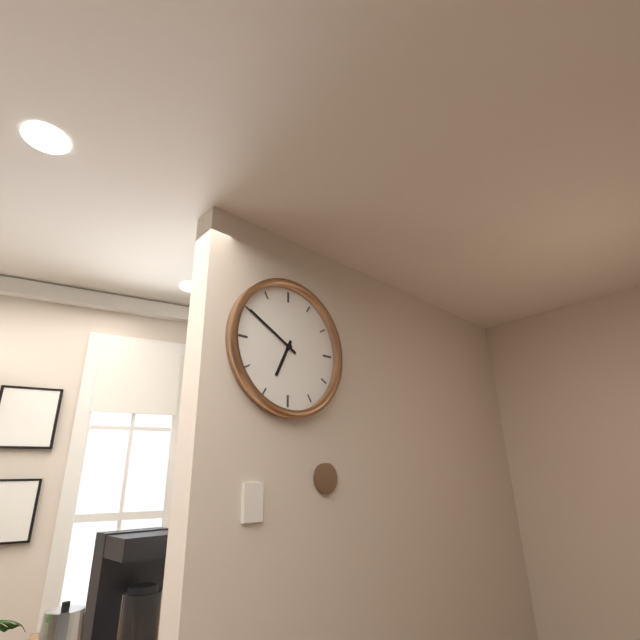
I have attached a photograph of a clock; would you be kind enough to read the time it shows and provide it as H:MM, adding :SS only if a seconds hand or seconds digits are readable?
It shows 6:50
